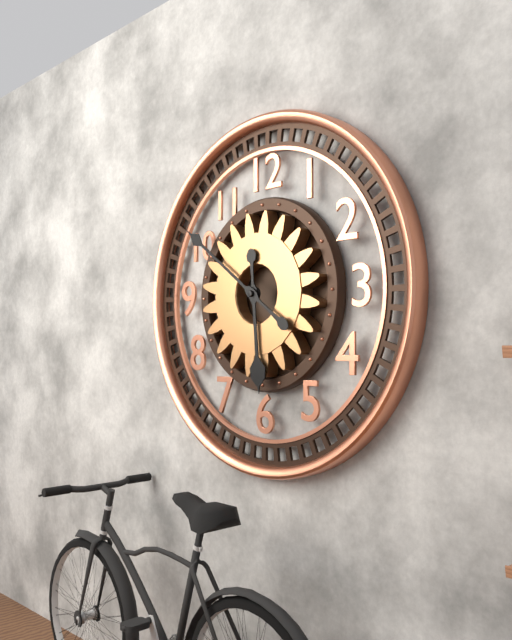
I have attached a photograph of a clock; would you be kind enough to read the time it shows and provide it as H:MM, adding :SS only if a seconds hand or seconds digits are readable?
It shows 5:51
